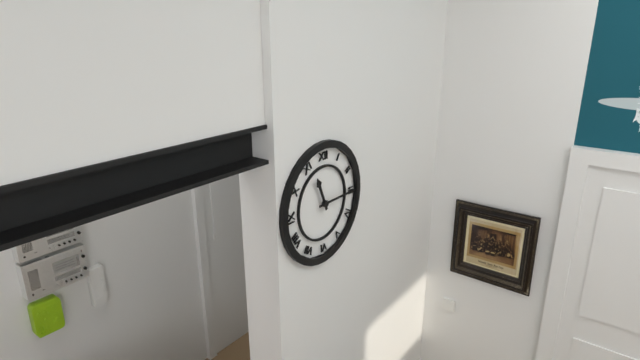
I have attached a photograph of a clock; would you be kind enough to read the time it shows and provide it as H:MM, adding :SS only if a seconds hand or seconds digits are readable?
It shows 11:15
